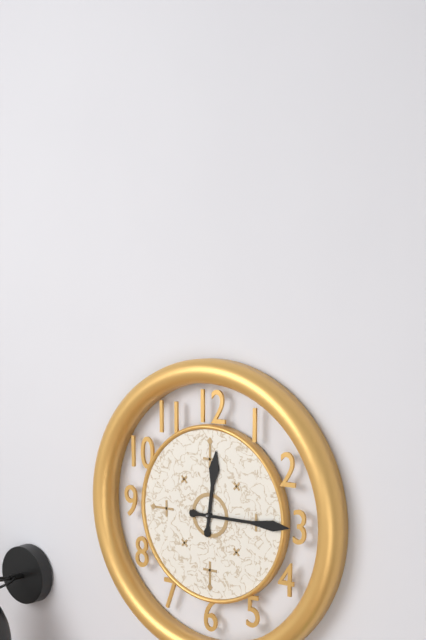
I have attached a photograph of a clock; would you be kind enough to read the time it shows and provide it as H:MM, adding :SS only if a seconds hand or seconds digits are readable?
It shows 12:15
